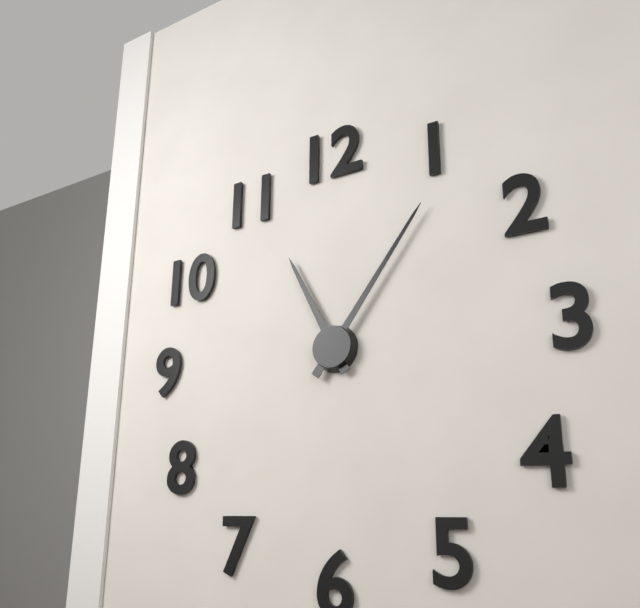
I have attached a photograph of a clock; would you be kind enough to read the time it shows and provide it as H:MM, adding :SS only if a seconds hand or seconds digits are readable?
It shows 11:06
